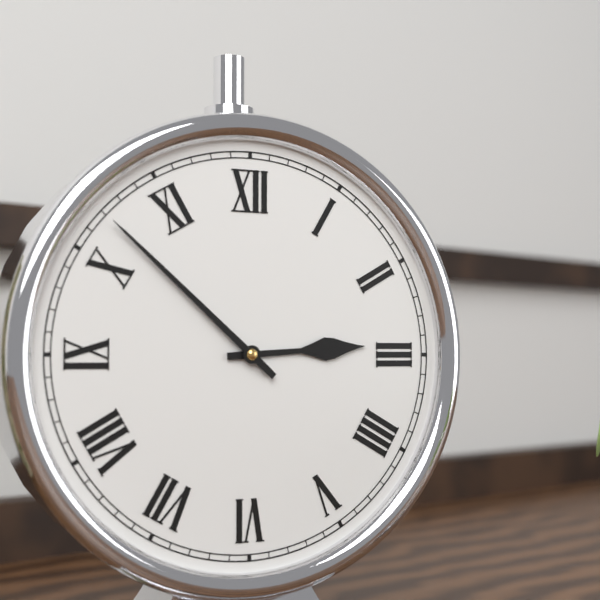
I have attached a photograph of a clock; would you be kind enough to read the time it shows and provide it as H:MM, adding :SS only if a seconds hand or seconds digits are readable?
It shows 2:52
